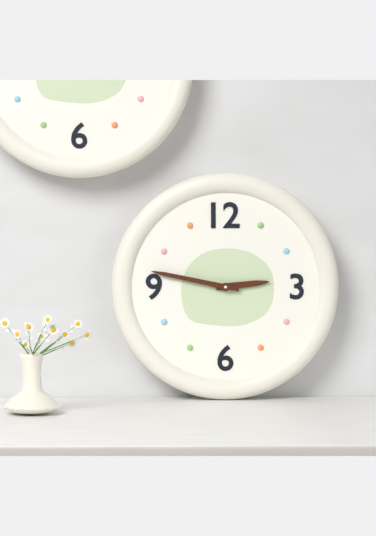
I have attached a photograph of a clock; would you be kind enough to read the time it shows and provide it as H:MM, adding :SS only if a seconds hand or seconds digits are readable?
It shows 2:47
